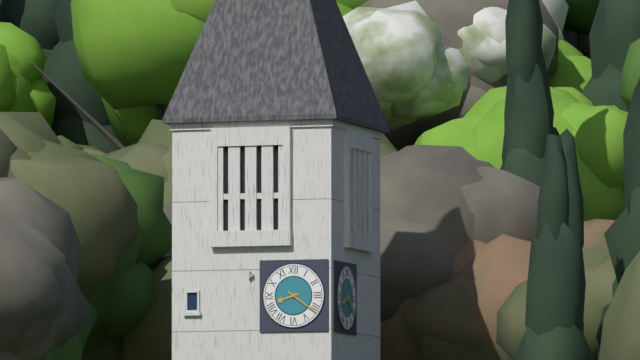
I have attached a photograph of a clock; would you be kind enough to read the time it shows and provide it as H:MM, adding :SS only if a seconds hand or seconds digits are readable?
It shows 8:21
